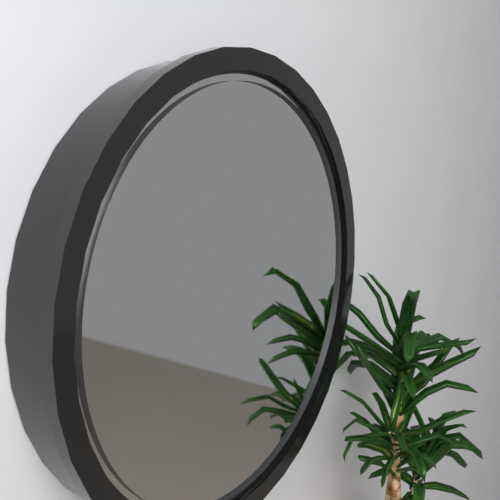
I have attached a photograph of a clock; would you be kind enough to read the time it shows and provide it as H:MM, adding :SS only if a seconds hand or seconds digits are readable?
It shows 9:55
